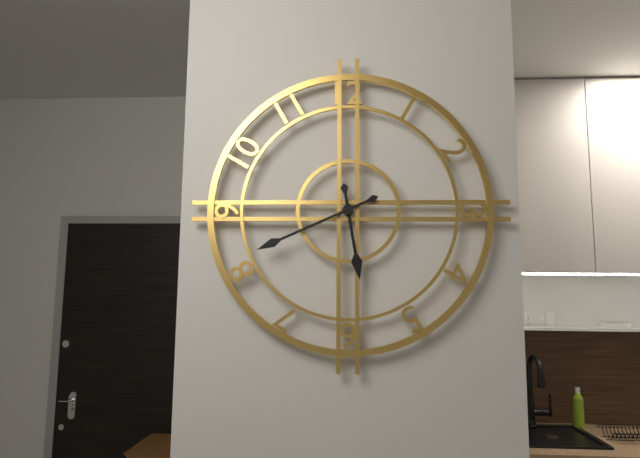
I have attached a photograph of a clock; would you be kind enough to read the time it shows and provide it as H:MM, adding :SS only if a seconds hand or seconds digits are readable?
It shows 5:41
